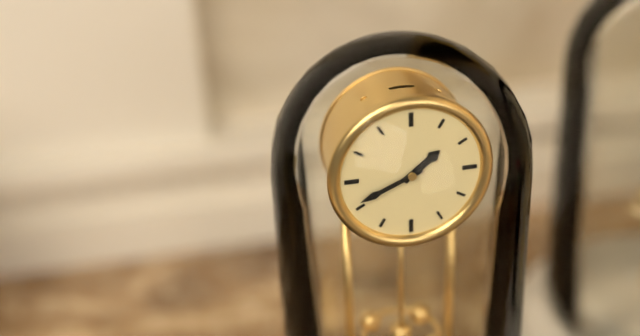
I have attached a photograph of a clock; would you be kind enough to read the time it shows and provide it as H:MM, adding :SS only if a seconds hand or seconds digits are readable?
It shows 1:41
